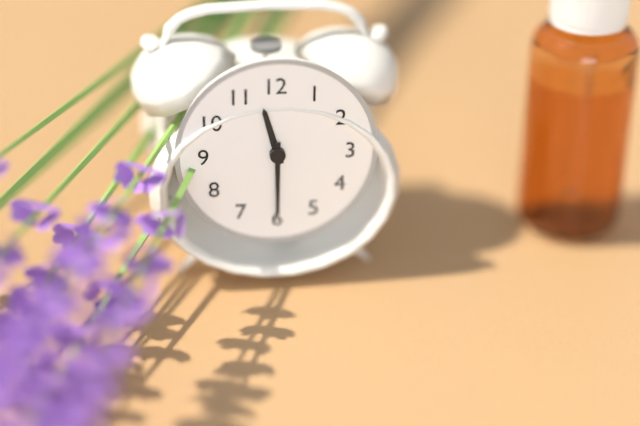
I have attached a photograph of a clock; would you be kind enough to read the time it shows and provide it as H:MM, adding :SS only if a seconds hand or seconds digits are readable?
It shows 11:30
